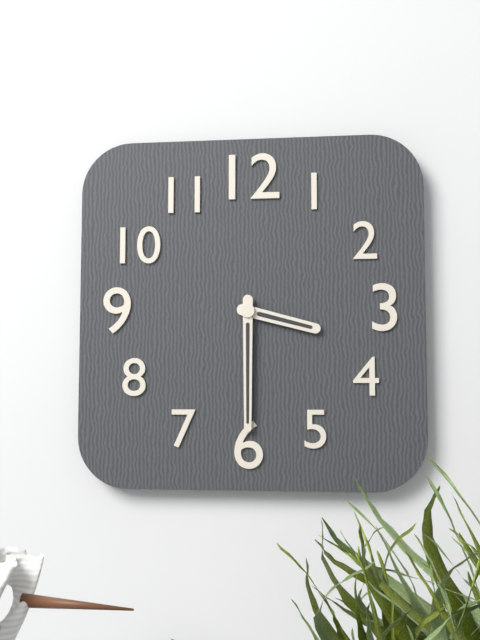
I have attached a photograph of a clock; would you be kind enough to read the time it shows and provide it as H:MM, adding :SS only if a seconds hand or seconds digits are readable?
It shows 3:30
